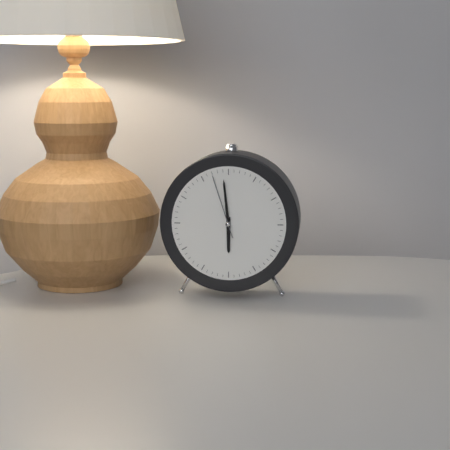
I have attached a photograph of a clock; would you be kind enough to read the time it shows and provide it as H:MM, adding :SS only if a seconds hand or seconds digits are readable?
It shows 5:59:57
